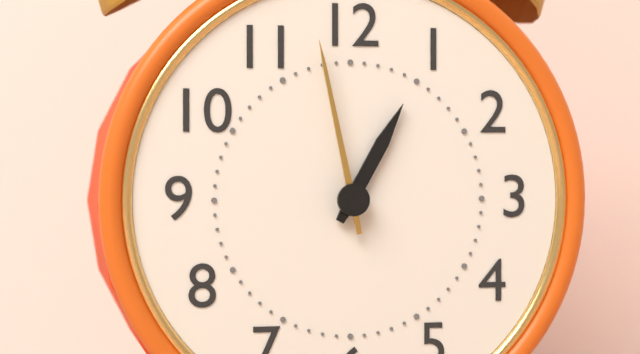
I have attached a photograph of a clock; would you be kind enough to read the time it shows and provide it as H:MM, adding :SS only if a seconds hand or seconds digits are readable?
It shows 12:58
